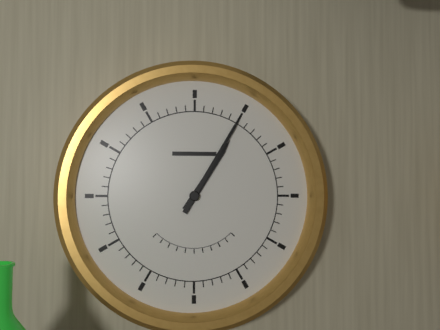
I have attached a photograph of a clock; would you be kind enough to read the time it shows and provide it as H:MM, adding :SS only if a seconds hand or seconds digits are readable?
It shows 1:05
